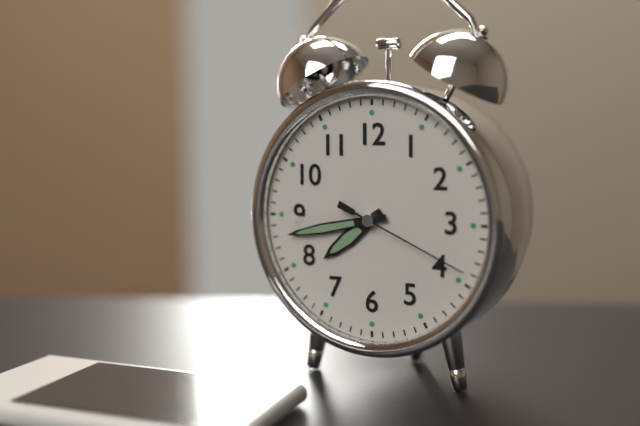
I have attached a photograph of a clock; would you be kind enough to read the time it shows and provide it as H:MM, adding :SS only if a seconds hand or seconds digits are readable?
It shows 7:43:19
